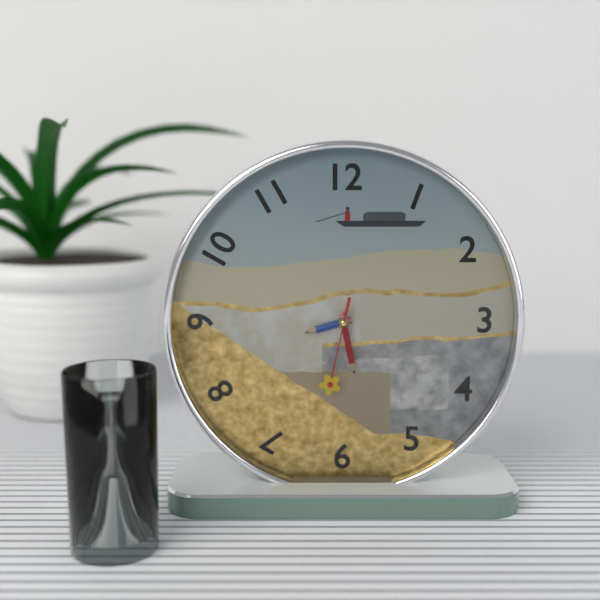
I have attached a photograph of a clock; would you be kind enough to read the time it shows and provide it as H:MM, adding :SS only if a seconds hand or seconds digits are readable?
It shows 8:28:32
